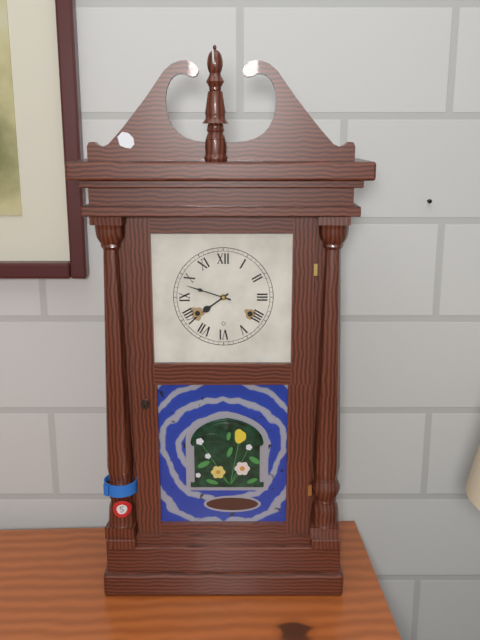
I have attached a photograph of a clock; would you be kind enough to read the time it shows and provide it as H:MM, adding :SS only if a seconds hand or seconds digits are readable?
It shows 7:48
